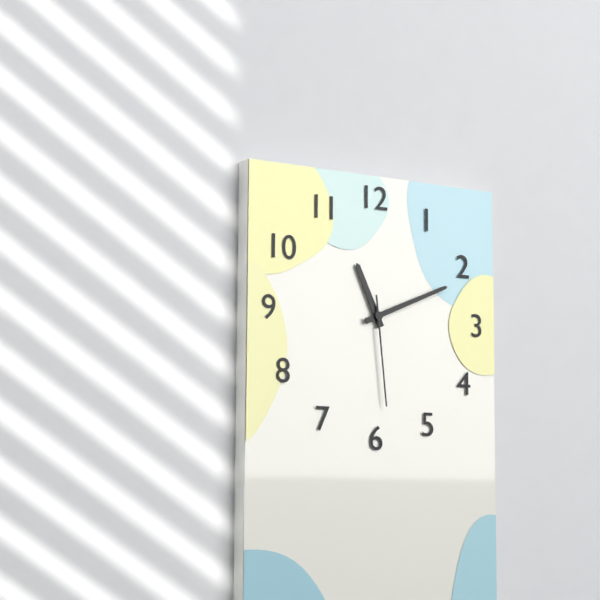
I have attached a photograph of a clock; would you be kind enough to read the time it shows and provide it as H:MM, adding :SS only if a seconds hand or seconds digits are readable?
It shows 11:11:29
